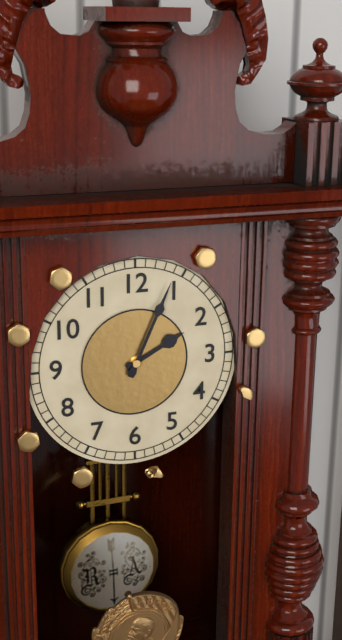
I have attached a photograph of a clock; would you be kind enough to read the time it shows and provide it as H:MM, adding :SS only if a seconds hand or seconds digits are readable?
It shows 2:04
